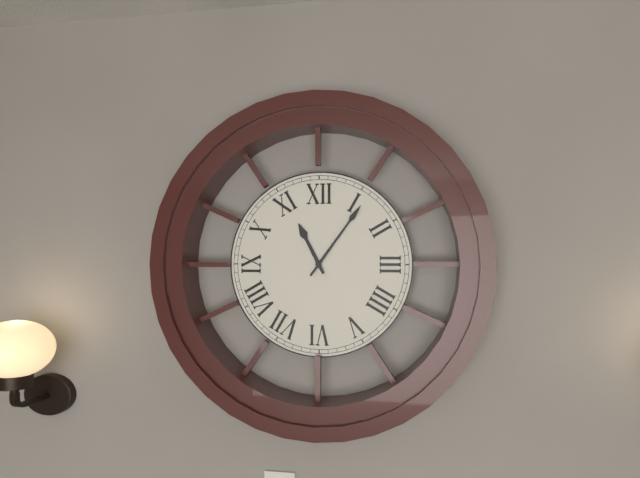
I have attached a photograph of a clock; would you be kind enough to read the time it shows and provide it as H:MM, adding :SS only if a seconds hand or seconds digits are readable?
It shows 11:06
